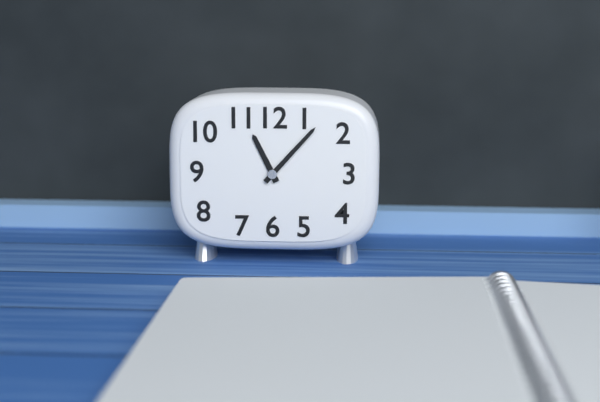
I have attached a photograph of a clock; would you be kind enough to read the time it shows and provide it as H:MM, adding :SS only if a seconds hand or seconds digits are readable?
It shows 11:07
